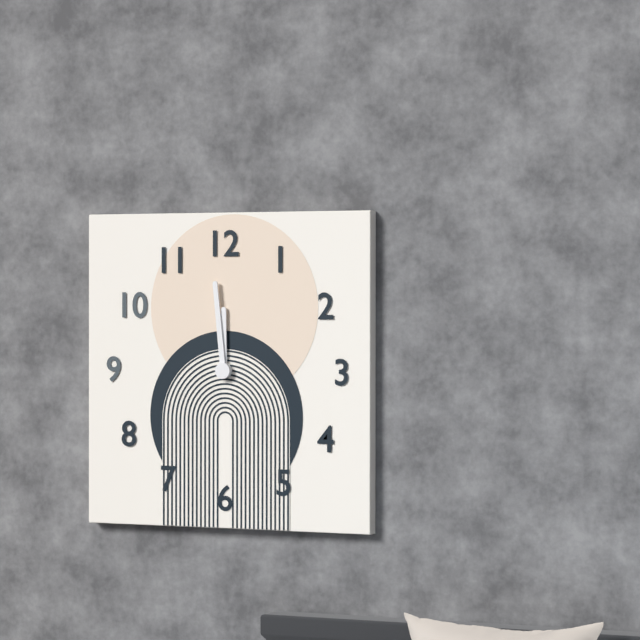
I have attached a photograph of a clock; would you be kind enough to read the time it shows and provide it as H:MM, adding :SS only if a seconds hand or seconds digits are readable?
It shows 11:59
